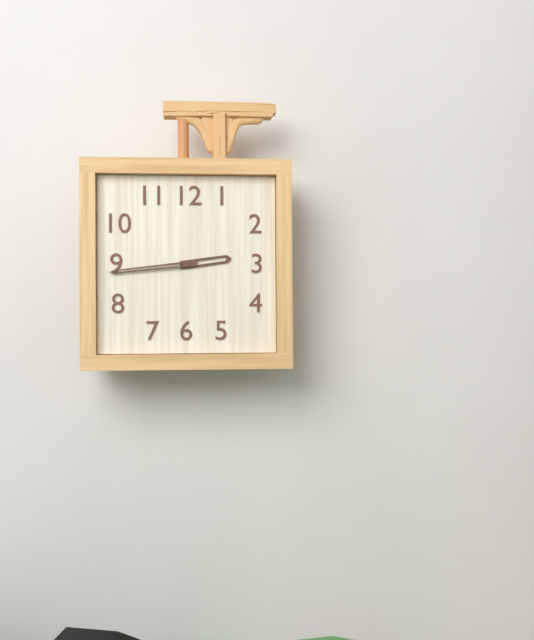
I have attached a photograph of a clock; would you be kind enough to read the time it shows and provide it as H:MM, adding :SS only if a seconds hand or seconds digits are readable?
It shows 2:44
